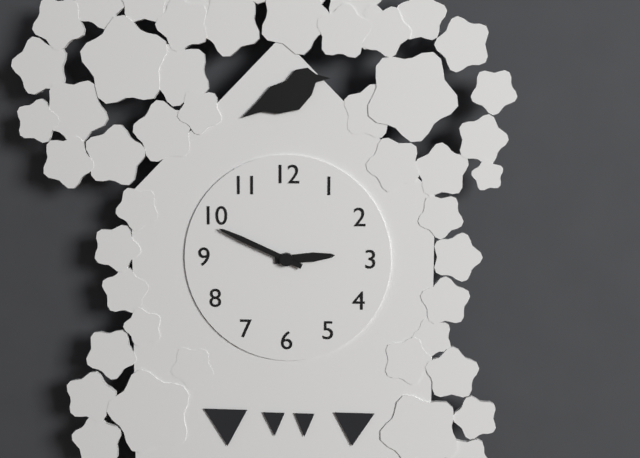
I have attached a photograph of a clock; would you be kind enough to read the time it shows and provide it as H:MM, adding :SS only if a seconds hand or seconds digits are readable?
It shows 2:49
